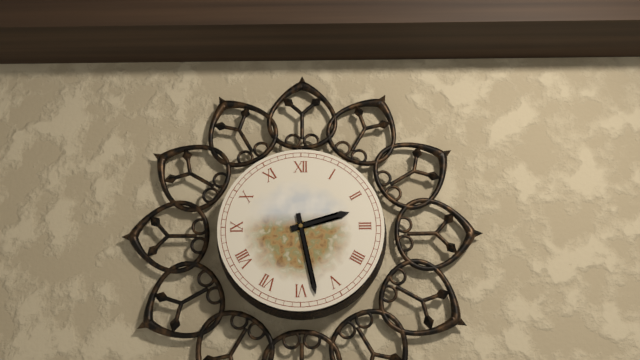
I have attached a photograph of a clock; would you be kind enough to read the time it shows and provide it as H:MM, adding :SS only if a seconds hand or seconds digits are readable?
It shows 2:28
